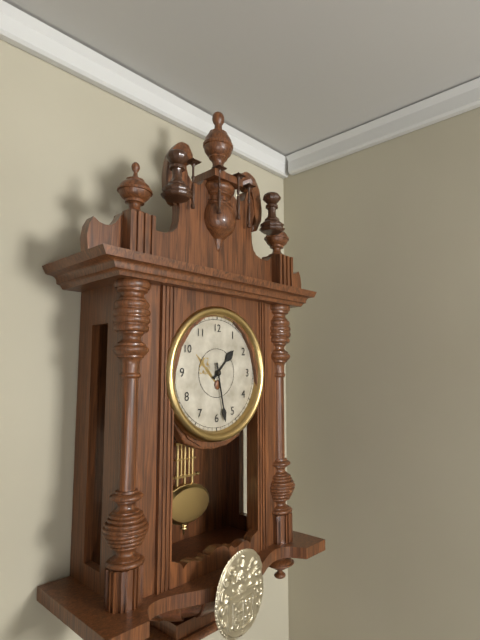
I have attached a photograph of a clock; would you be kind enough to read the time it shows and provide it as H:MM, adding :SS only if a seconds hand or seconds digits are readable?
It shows 1:28
